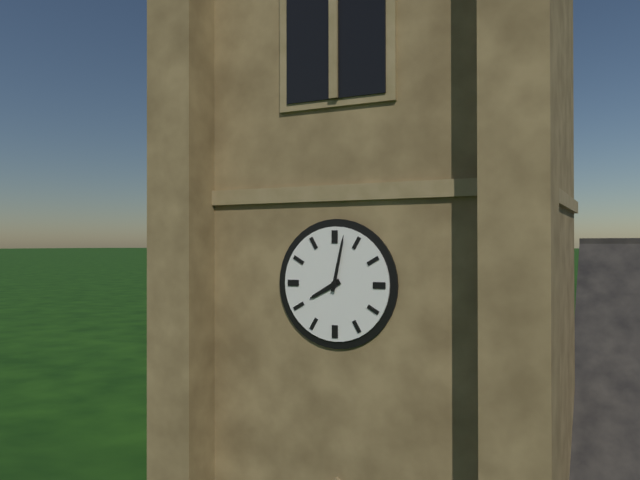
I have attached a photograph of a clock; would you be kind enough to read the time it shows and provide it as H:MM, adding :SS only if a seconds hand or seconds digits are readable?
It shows 8:02
